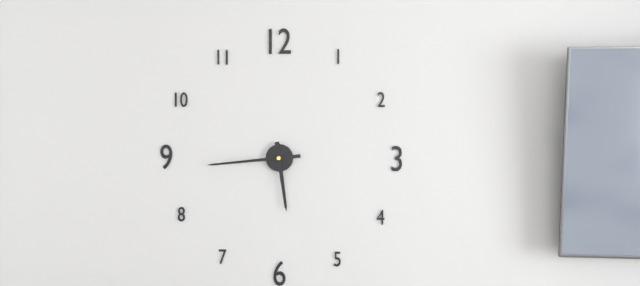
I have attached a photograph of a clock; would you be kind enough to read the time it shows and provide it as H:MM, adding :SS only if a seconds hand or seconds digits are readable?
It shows 5:44
